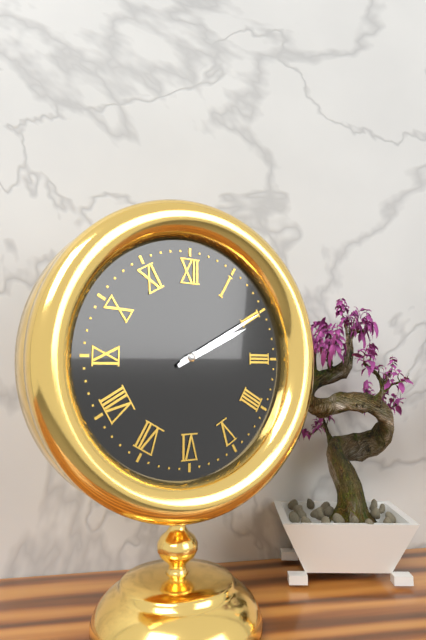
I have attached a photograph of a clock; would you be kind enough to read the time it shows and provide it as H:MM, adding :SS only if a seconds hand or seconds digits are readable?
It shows 2:10
